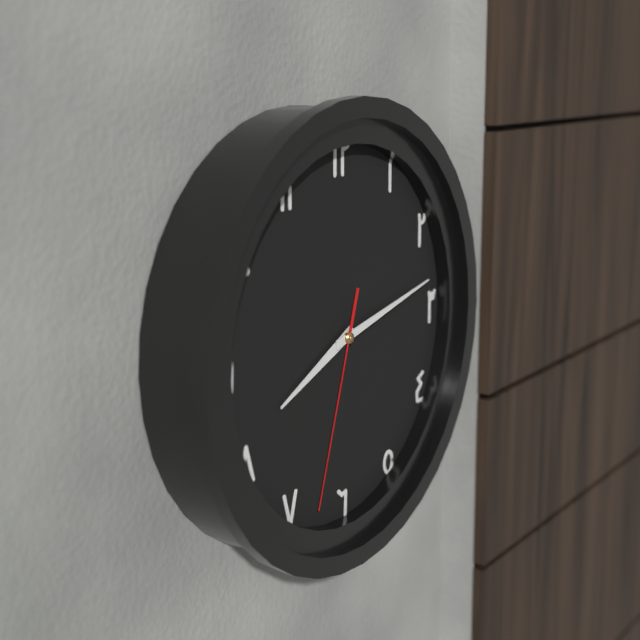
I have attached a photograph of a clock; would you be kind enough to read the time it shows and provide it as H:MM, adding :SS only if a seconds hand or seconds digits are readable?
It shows 8:13:33
